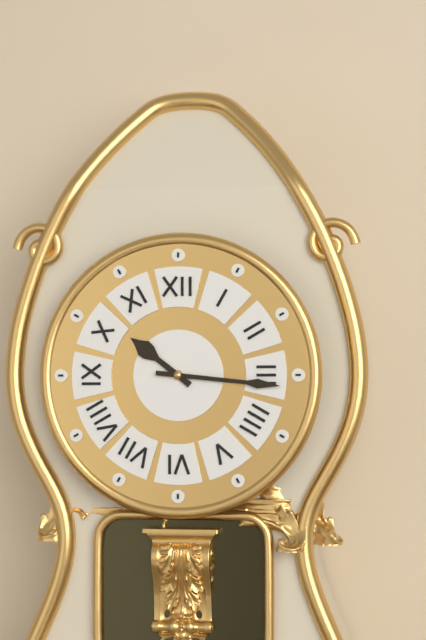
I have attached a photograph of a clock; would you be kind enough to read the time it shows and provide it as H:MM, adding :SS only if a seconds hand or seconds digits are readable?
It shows 10:16
